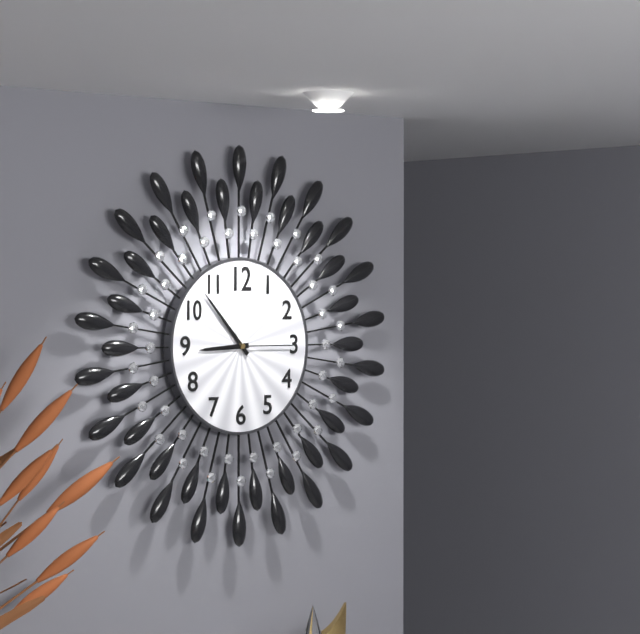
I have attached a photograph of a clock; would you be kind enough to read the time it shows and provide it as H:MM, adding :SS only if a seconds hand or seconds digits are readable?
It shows 8:53:15
